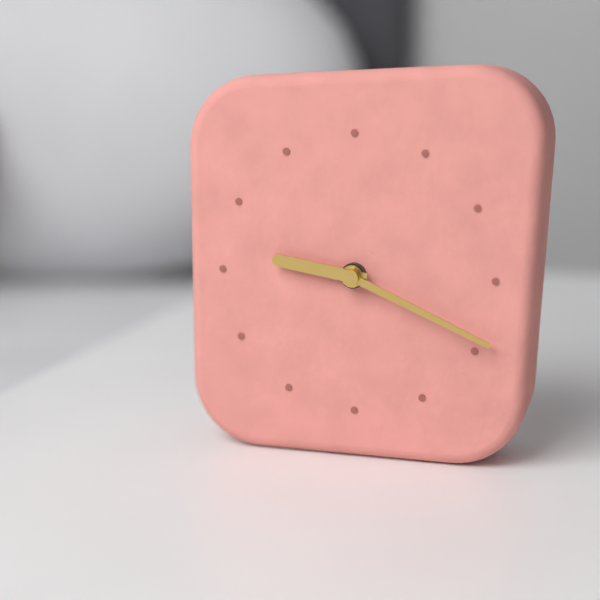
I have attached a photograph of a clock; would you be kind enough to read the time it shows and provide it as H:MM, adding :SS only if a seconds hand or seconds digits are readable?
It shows 9:19
